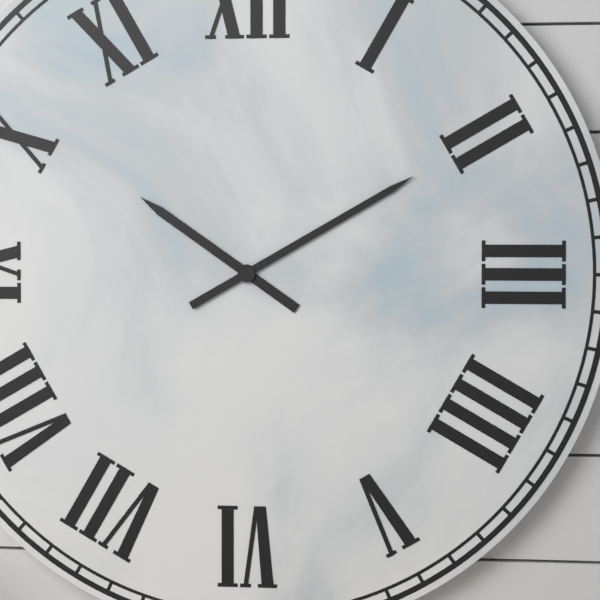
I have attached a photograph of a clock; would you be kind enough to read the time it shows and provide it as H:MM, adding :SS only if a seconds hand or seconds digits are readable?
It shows 10:10
